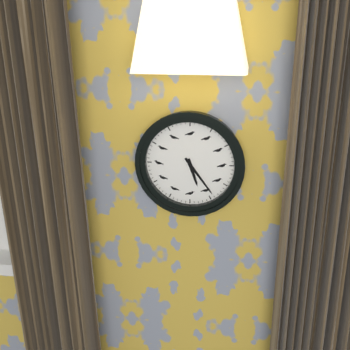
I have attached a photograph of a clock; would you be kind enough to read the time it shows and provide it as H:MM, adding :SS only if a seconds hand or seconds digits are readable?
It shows 5:24
